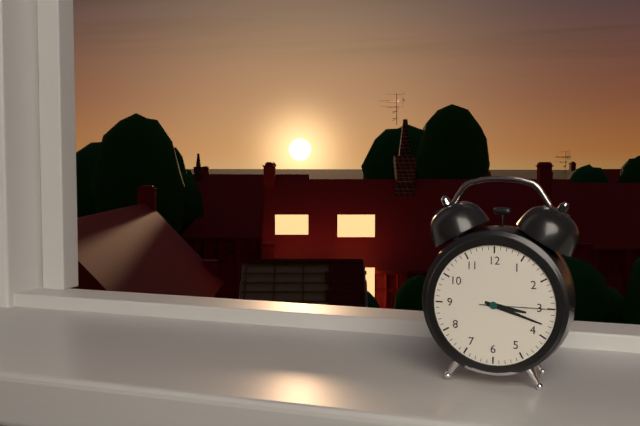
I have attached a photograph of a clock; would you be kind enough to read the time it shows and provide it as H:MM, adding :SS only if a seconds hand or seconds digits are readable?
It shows 3:18:15
